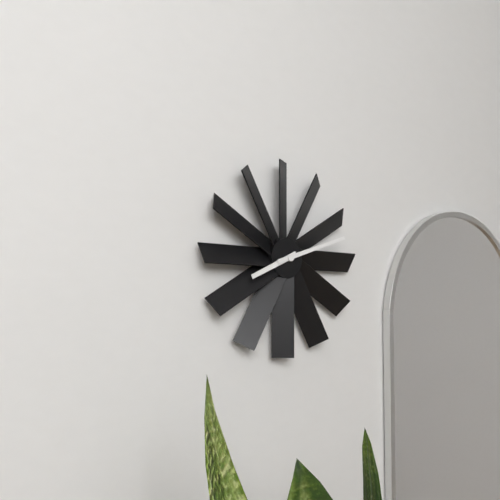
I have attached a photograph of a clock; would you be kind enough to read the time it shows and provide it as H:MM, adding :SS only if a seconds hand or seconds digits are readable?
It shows 8:12
